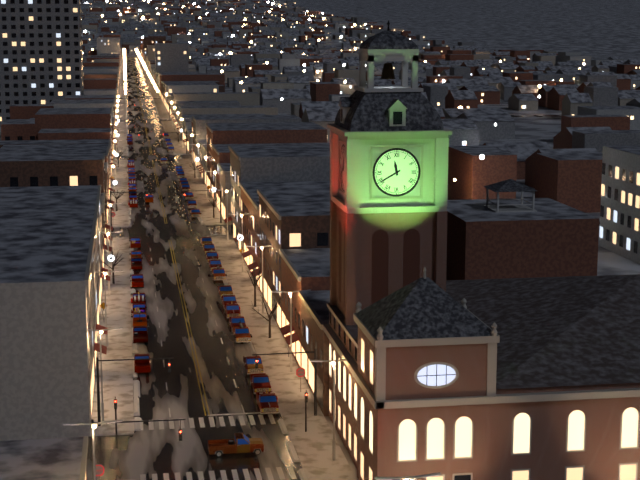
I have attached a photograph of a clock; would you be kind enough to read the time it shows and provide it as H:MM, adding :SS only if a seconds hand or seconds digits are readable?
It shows 11:40
